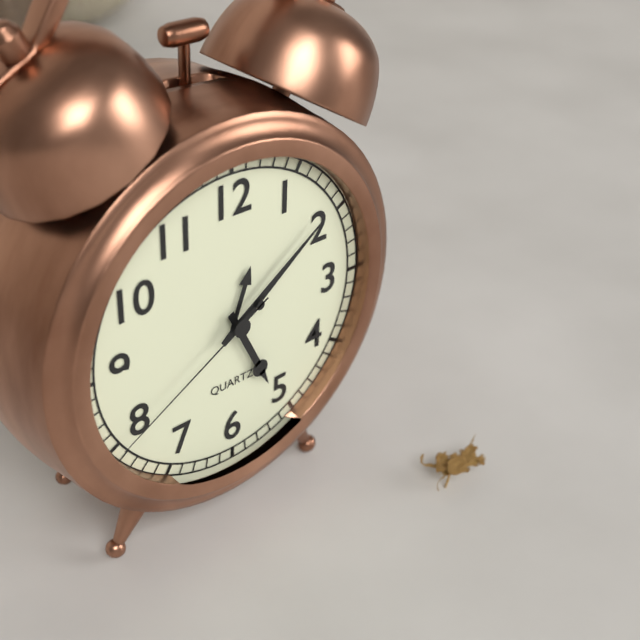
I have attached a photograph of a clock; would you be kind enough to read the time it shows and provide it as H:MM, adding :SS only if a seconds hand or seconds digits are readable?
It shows 5:09:40
